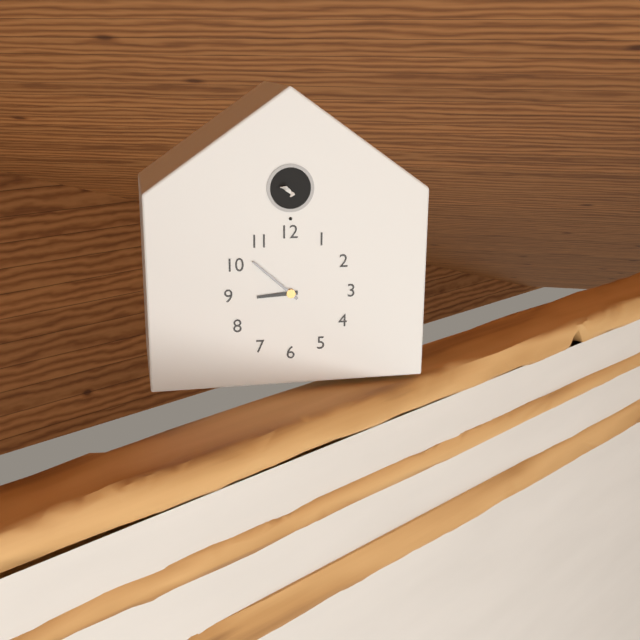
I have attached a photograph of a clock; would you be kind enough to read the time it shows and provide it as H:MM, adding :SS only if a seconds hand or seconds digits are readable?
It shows 8:52
